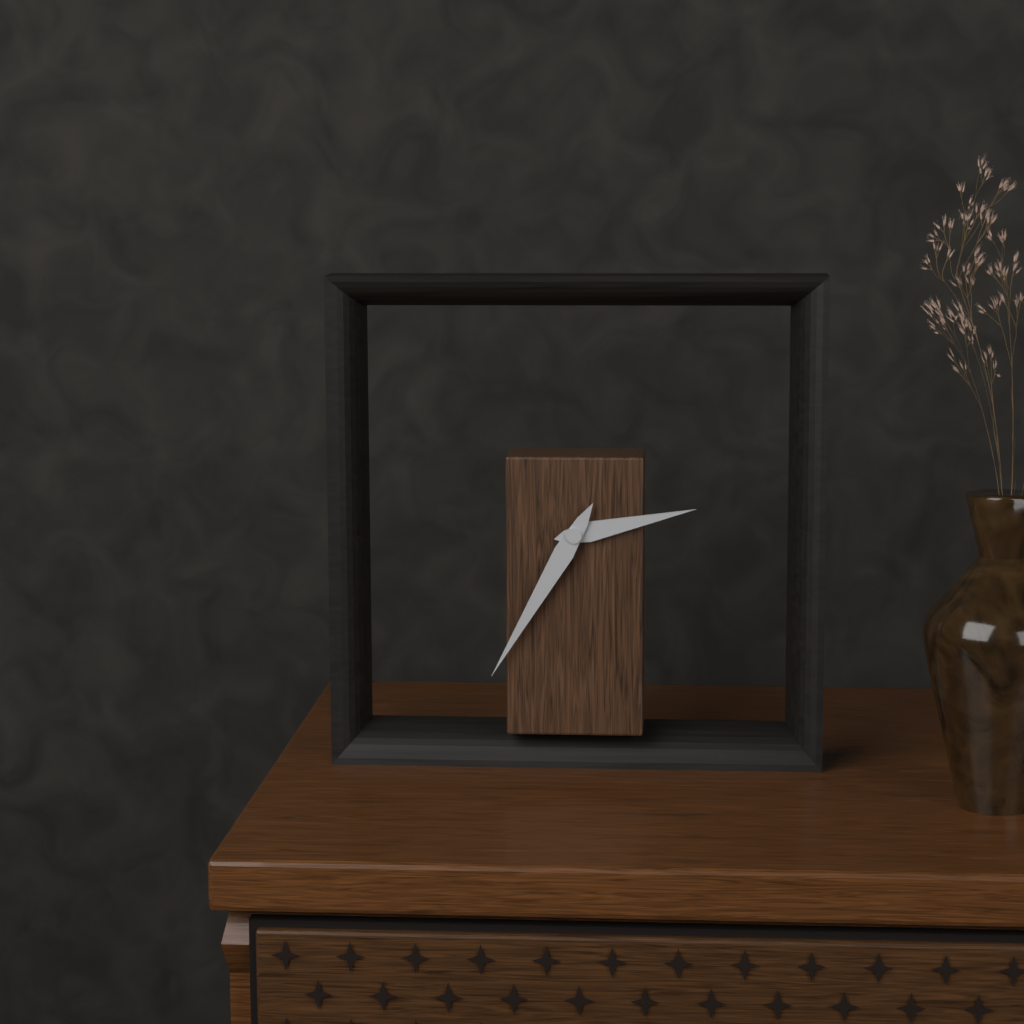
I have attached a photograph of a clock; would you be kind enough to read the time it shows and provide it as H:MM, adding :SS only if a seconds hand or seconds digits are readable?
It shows 2:35
